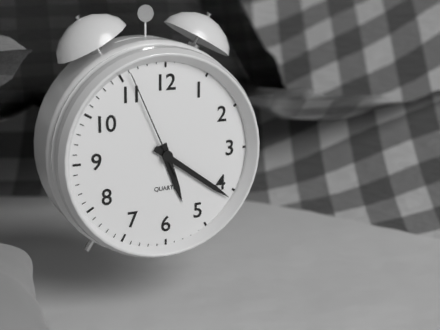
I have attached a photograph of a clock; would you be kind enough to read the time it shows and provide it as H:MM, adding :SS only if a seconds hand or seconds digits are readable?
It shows 5:21:56
